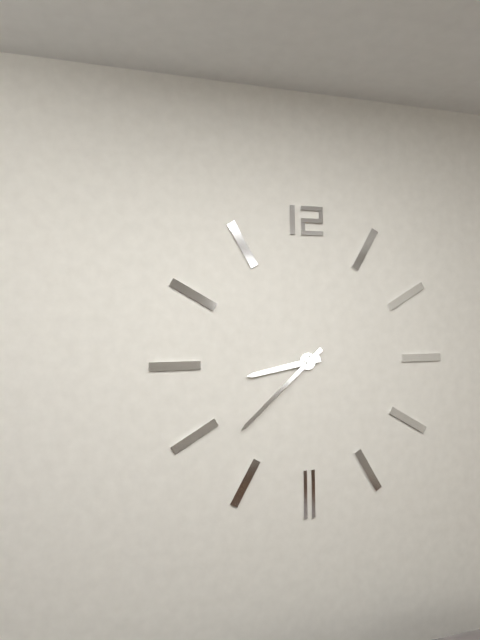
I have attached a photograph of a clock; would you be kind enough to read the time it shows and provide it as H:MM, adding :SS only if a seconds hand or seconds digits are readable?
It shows 8:38
